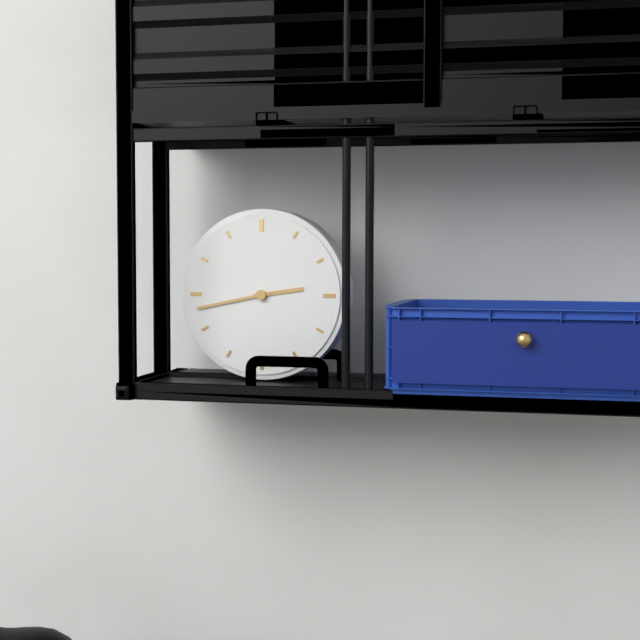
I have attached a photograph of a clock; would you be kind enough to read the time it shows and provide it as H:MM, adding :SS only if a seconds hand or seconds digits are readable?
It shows 2:43
